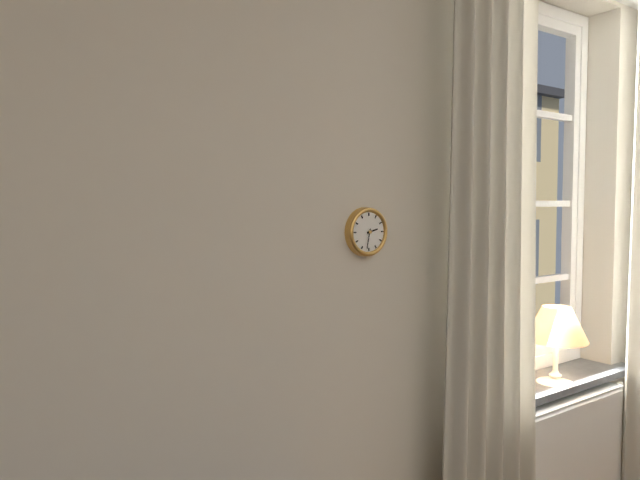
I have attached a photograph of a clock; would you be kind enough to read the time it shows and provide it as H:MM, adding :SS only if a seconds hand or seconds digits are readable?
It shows 2:32
